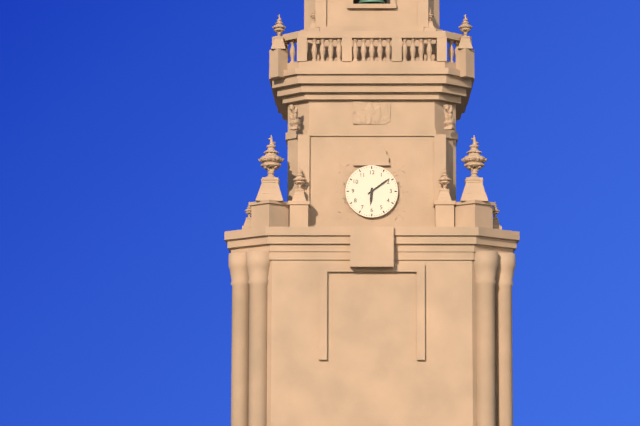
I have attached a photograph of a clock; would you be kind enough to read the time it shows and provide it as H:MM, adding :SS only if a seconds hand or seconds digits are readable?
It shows 6:09
